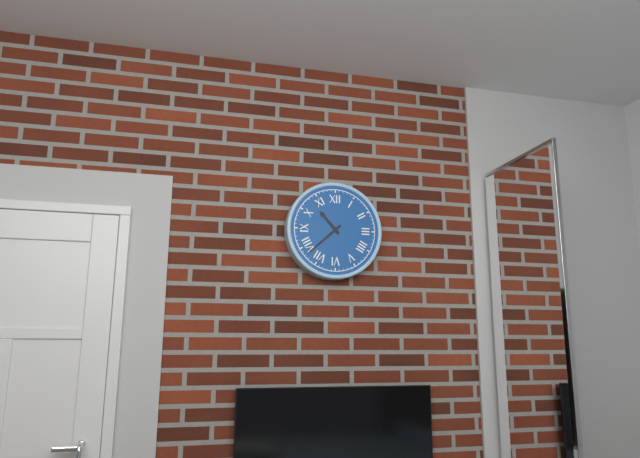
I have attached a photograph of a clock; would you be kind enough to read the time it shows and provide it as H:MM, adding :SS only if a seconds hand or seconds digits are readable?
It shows 10:38
